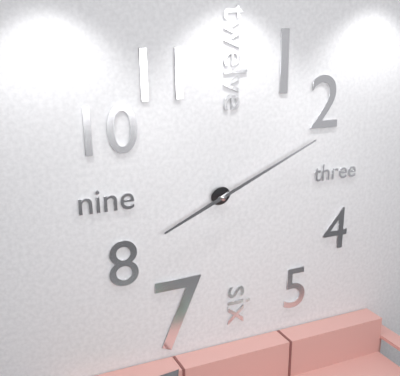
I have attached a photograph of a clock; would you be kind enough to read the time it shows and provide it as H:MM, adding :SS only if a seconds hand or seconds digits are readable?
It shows 8:11
